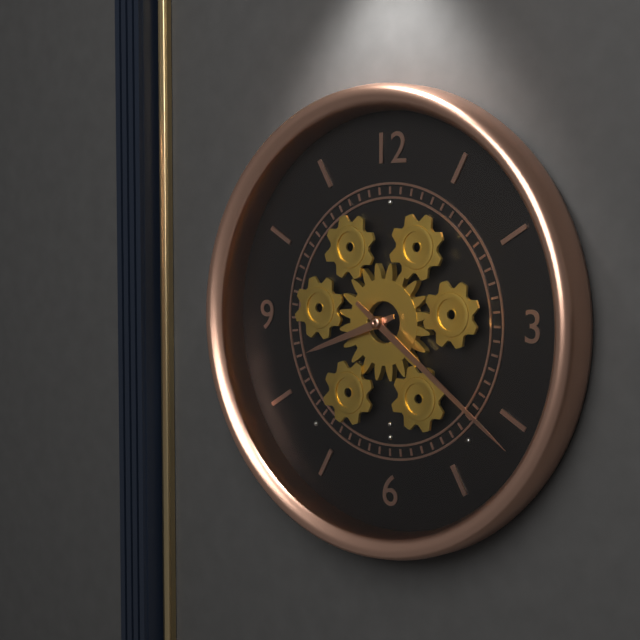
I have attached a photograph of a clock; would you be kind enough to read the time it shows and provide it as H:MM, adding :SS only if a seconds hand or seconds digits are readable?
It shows 8:21
